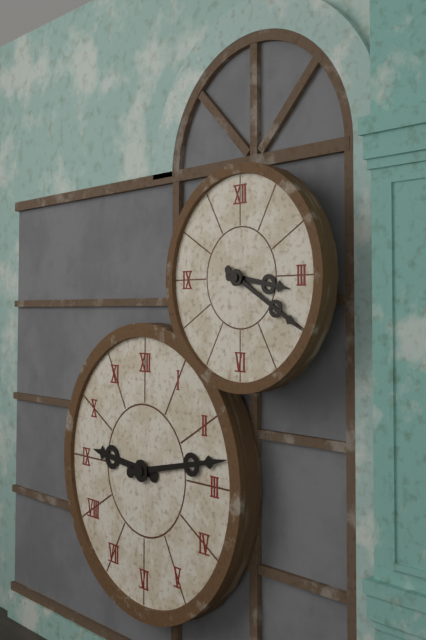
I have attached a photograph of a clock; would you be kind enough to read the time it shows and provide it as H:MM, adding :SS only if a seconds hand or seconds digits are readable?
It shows 3:20
